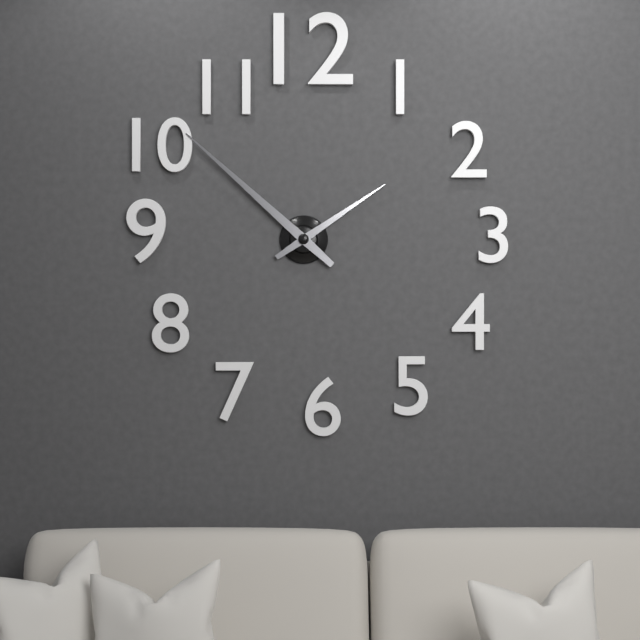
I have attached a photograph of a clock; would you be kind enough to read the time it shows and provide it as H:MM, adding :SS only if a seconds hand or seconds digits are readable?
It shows 1:52
